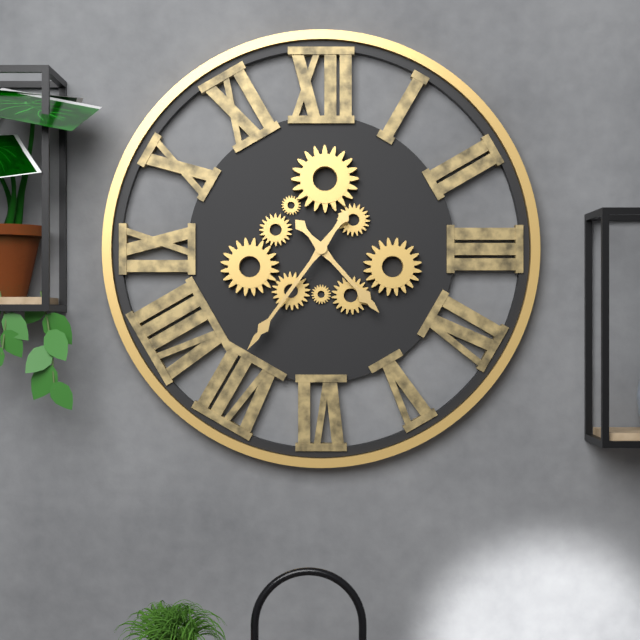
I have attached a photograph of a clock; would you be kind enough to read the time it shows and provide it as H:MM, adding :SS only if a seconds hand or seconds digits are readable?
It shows 4:36
